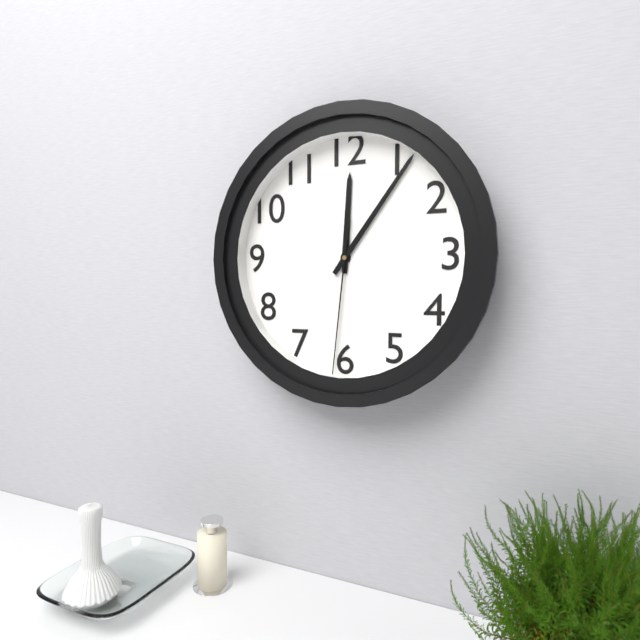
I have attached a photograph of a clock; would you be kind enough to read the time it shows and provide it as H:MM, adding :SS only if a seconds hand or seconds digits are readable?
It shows 12:06:31
